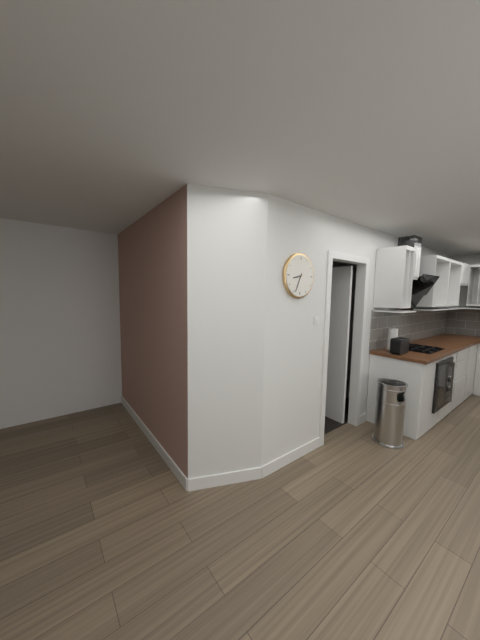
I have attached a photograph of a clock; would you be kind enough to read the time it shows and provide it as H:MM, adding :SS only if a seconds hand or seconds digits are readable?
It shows 8:34
